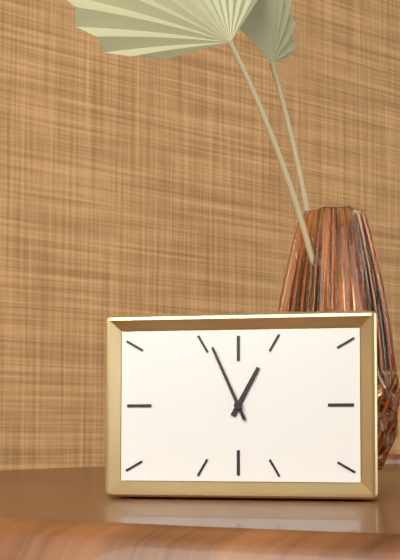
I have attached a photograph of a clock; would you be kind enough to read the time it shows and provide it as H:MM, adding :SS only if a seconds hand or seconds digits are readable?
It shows 12:56
